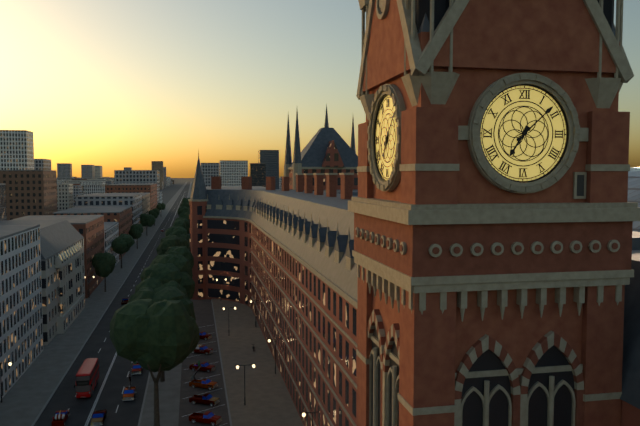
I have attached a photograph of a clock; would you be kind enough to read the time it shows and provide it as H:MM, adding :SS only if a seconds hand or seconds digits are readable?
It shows 7:08
